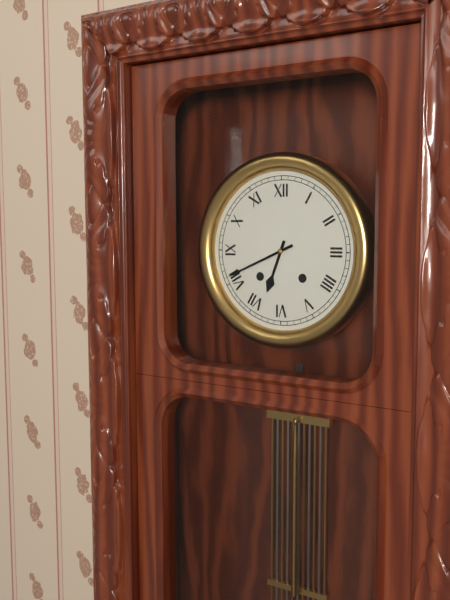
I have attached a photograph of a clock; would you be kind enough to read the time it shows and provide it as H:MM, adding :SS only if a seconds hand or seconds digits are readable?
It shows 6:41
